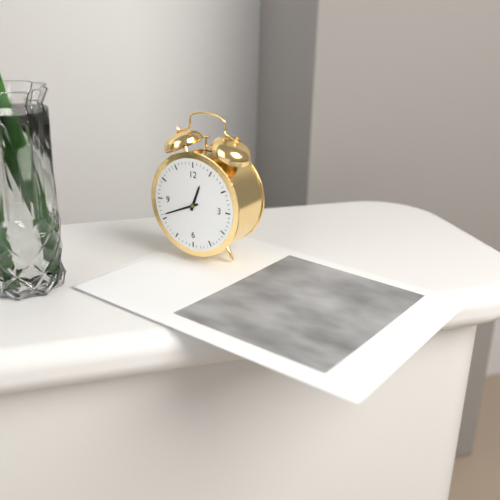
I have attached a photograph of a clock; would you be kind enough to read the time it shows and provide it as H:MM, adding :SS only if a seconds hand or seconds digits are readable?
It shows 12:41
